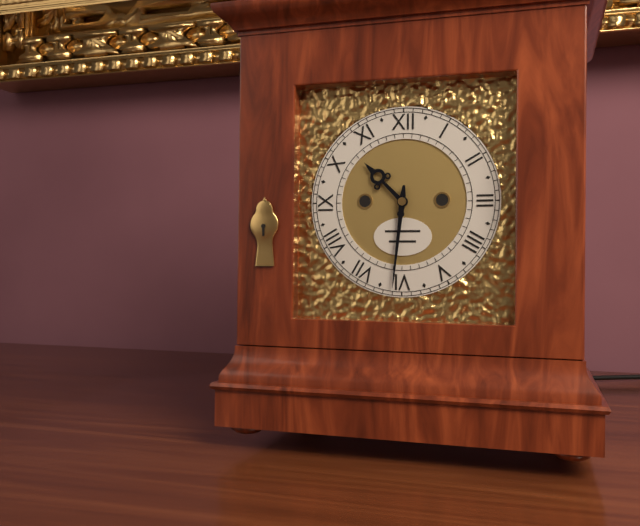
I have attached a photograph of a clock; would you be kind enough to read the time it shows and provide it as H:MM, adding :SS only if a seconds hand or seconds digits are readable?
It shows 10:31
